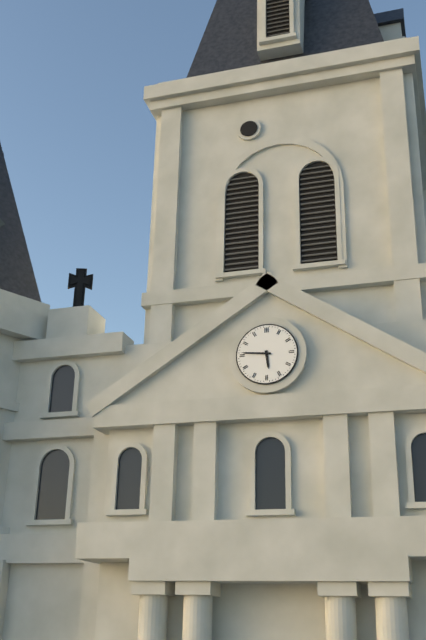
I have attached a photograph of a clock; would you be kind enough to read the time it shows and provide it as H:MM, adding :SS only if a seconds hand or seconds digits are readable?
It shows 5:46
